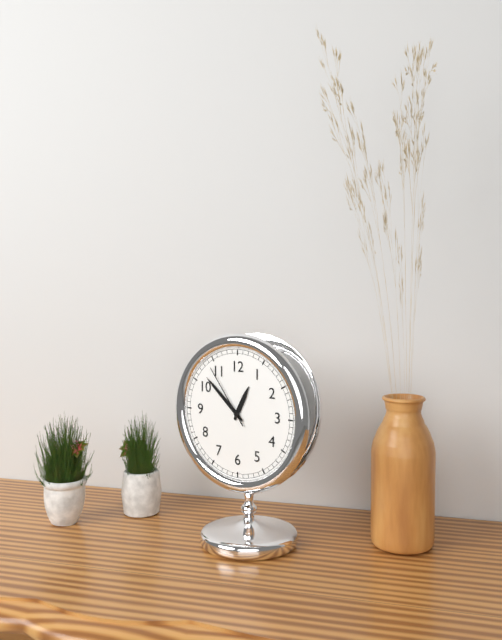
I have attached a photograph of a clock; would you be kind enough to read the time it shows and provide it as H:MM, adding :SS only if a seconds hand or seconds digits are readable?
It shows 12:52:54
